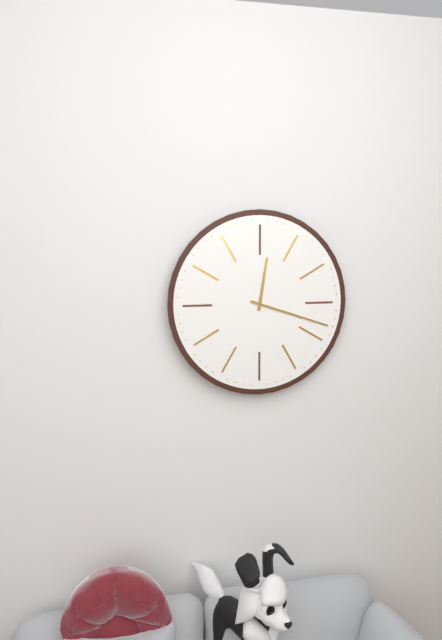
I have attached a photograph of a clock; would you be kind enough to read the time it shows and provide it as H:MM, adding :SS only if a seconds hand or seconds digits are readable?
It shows 12:18
